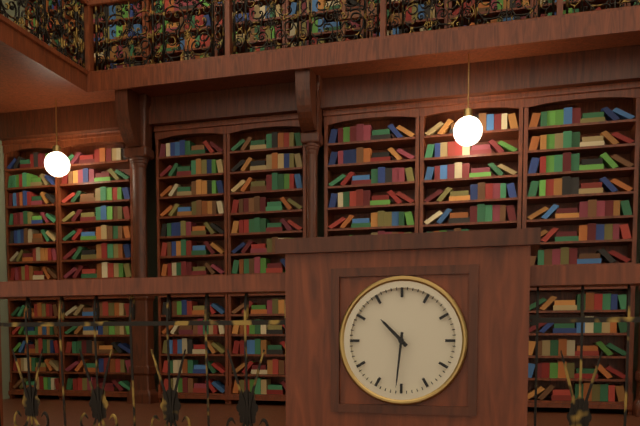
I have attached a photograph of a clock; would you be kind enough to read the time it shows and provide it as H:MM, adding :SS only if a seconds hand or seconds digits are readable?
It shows 10:31
